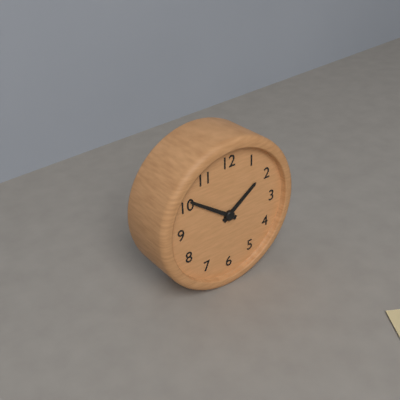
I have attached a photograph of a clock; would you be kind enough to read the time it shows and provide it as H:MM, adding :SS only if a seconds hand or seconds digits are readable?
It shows 1:51
